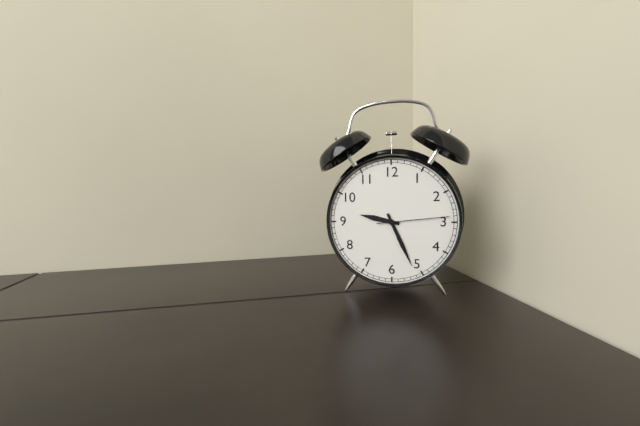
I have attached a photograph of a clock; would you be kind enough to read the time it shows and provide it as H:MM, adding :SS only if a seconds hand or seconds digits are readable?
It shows 9:26:14
